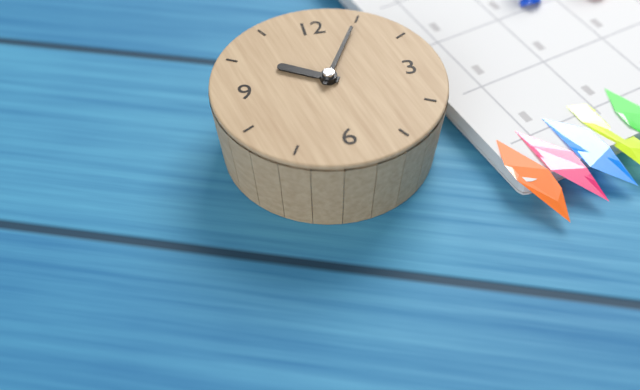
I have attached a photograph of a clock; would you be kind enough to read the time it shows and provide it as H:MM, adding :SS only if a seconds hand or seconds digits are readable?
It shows 10:05
